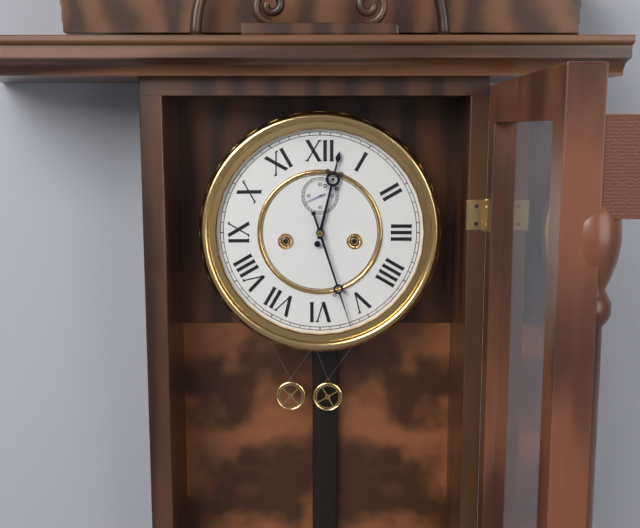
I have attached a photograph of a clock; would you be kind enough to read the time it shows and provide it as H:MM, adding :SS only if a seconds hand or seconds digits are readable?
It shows 12:27
